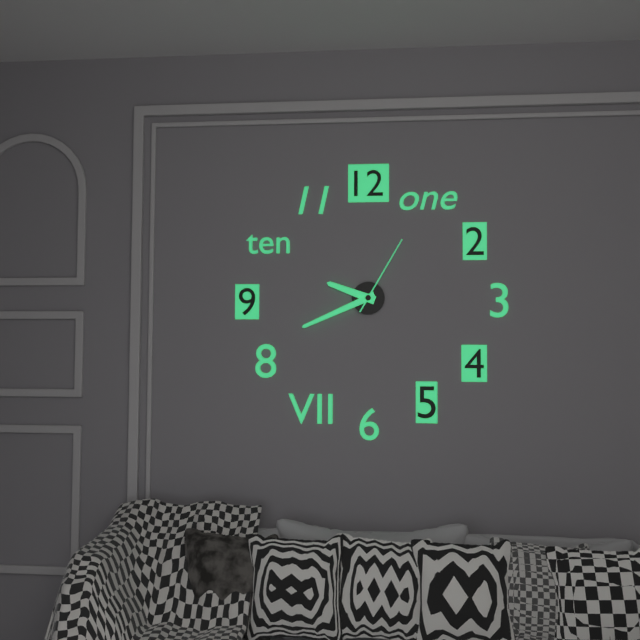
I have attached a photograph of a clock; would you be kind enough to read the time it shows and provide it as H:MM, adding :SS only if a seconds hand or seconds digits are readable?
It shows 9:41:05
